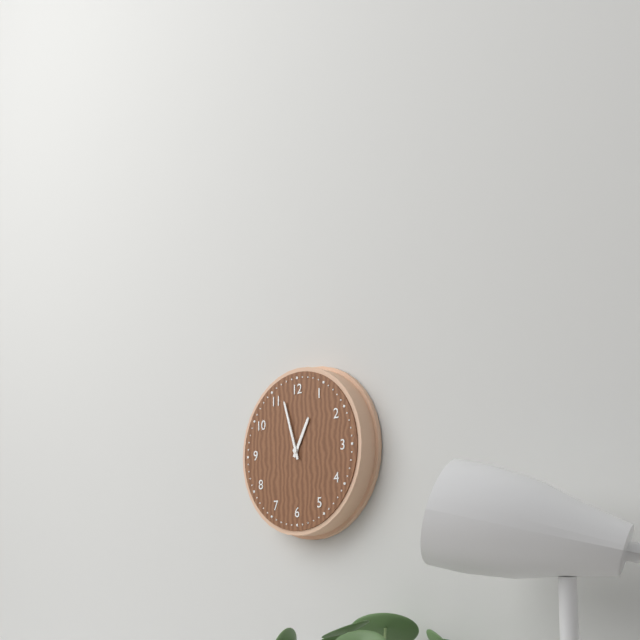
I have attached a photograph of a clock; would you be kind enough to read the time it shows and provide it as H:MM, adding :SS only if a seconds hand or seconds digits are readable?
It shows 12:57
